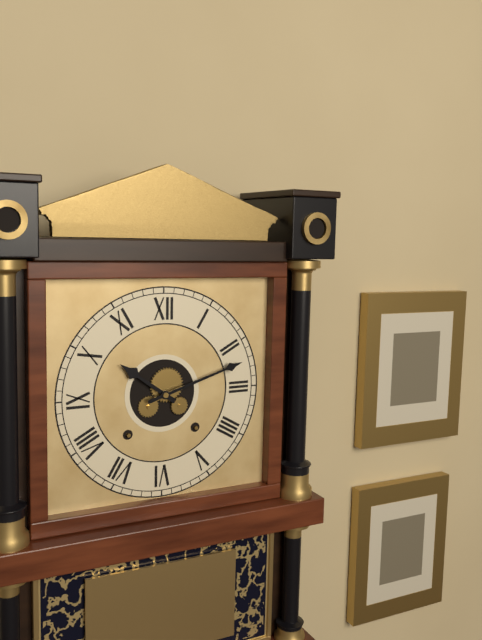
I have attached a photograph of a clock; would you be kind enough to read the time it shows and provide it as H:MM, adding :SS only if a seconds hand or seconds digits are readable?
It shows 10:12
